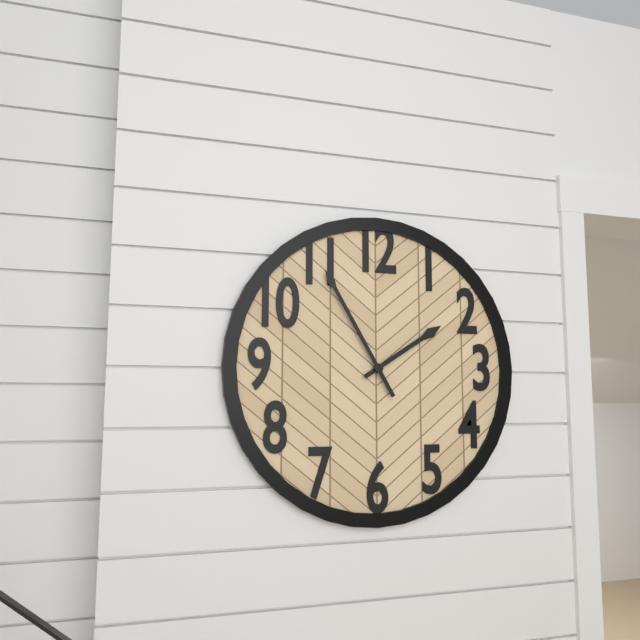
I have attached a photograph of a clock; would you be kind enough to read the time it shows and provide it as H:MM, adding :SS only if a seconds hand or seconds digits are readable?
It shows 1:55
